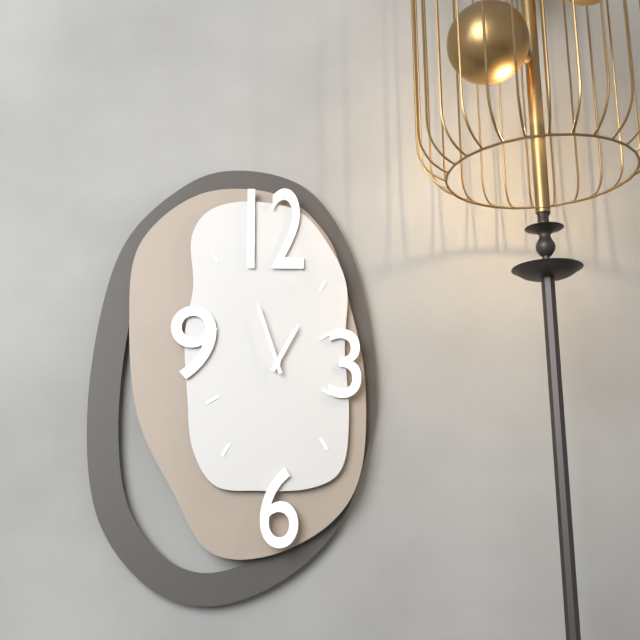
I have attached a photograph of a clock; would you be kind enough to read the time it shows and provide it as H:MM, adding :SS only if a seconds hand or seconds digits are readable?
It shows 12:57
